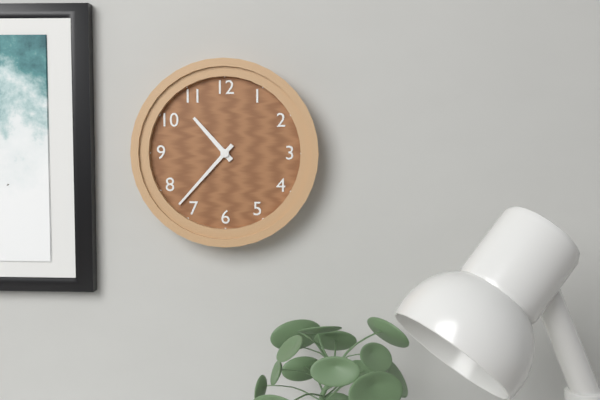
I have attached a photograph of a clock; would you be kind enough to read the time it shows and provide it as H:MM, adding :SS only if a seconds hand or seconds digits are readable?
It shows 10:37
